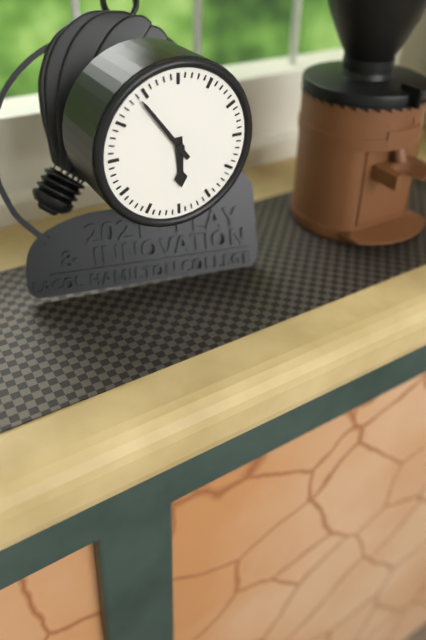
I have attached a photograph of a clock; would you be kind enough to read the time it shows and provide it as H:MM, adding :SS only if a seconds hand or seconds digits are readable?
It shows 5:54
